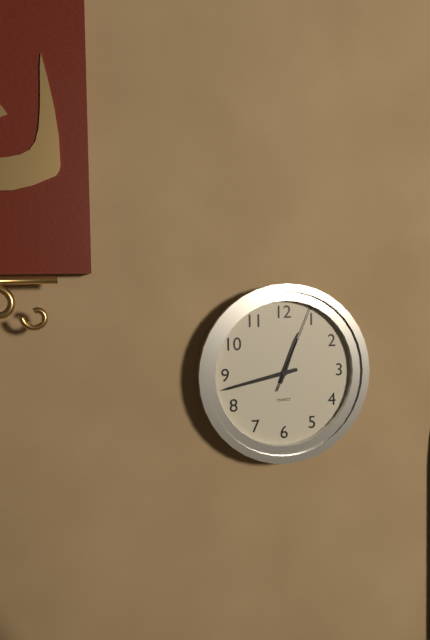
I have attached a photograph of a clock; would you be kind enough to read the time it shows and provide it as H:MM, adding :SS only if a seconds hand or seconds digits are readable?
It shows 12:43:04
